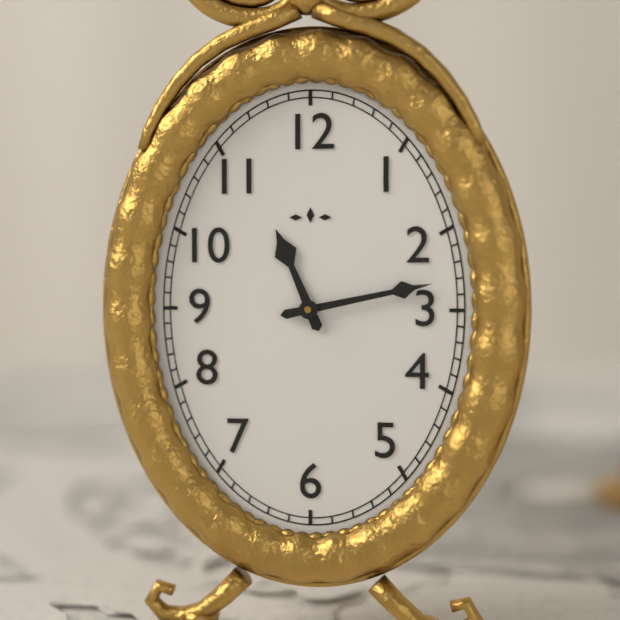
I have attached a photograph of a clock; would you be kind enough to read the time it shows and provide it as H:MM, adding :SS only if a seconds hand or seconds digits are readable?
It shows 11:13
